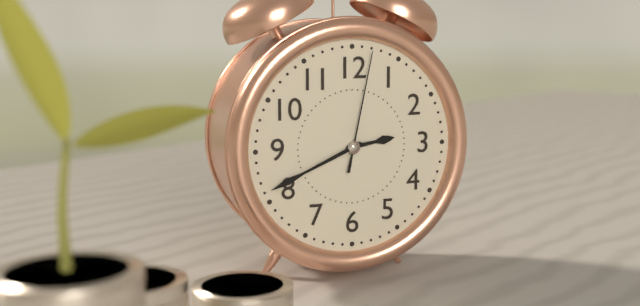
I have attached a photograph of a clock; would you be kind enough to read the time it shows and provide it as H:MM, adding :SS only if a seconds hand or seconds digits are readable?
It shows 2:41:02
